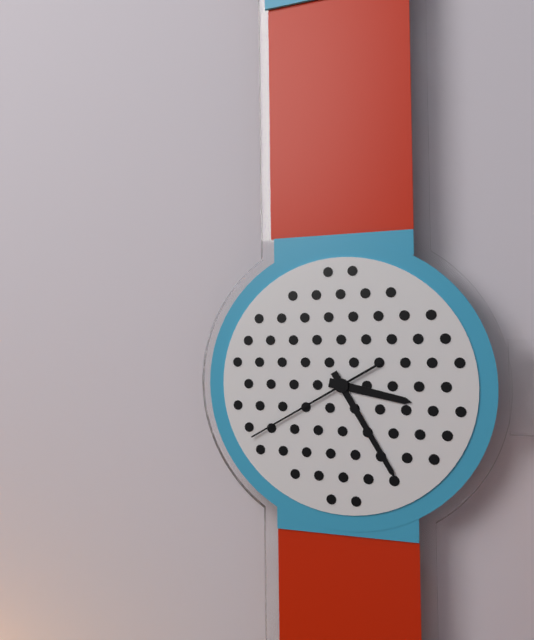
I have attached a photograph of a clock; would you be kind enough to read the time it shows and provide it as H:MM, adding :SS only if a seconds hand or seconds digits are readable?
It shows 3:25:40
